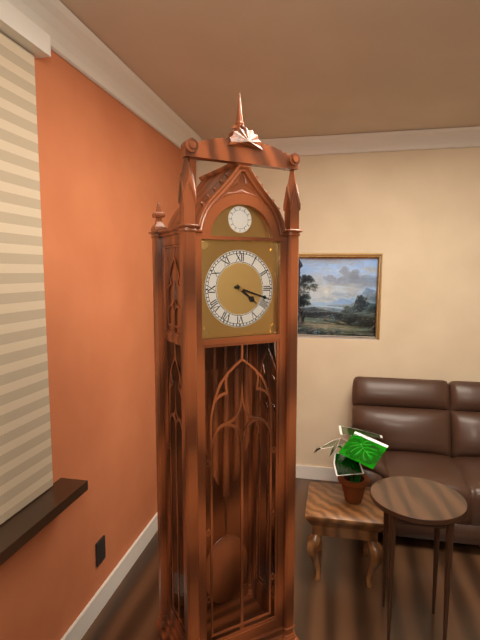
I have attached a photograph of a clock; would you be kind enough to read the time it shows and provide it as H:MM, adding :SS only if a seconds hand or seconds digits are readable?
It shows 4:18
